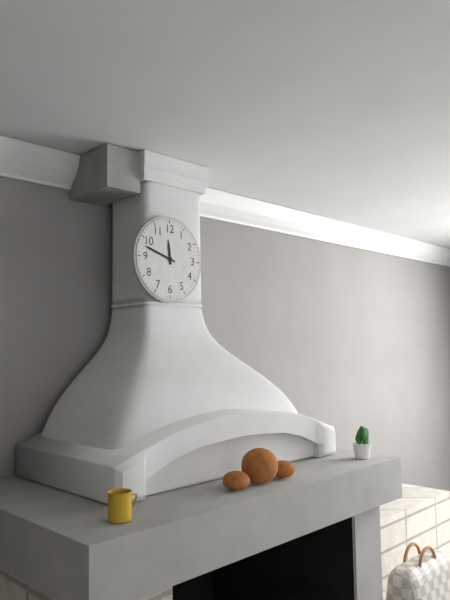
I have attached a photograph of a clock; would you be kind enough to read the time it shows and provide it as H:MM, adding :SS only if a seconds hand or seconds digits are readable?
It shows 11:48
